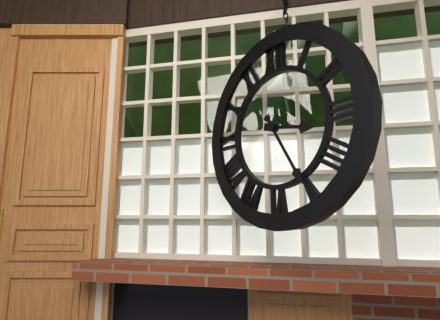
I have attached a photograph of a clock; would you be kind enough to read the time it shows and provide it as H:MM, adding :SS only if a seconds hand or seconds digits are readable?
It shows 3:25
